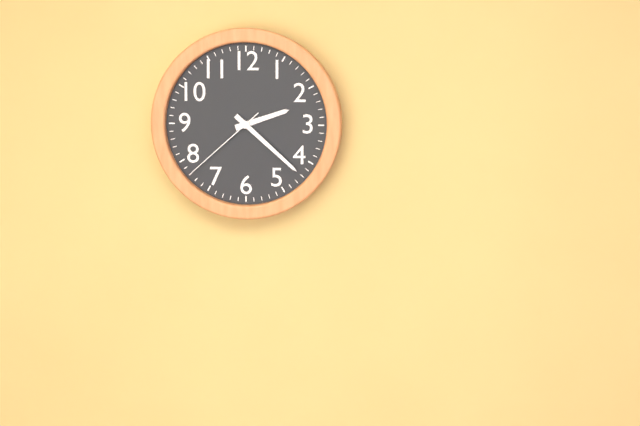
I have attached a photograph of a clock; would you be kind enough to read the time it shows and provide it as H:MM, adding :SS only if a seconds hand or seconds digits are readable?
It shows 2:22:38
